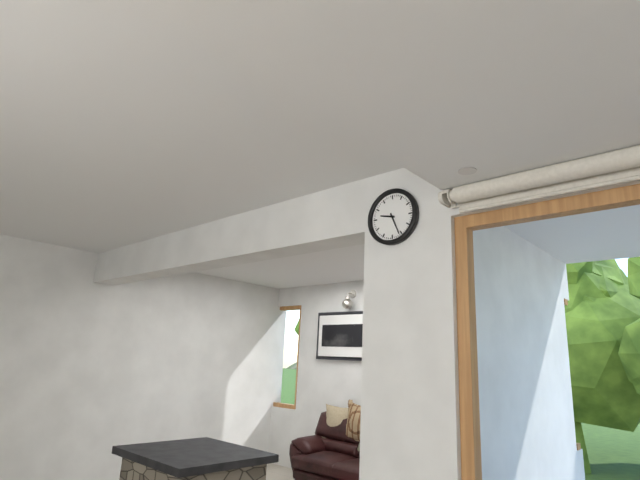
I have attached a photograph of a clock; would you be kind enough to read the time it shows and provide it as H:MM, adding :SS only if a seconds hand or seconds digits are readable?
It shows 9:26
